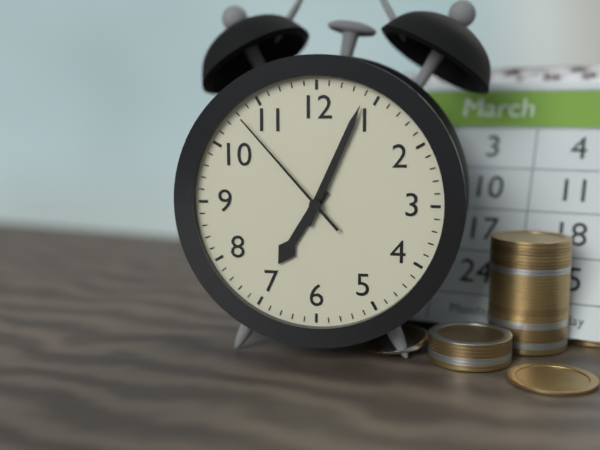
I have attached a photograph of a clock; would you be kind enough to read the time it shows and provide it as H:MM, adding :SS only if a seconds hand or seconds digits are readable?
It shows 7:04:53
